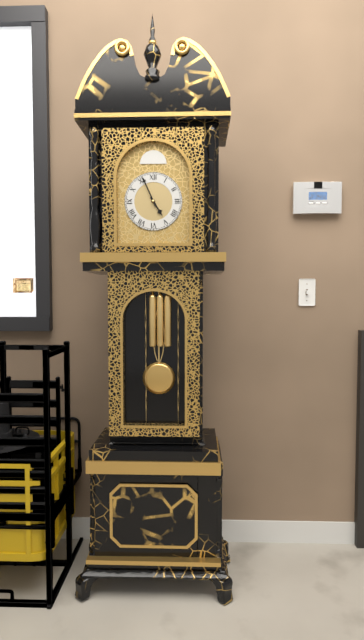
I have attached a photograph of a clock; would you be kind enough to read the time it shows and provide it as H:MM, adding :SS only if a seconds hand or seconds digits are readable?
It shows 4:56
